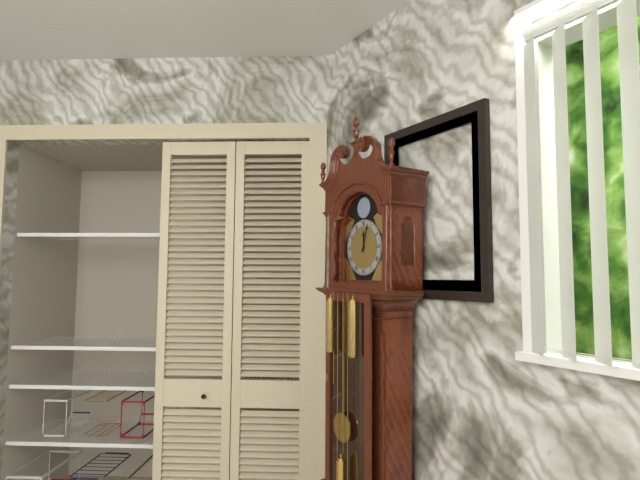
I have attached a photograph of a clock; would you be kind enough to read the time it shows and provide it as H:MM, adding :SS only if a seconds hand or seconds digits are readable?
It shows 12:03
